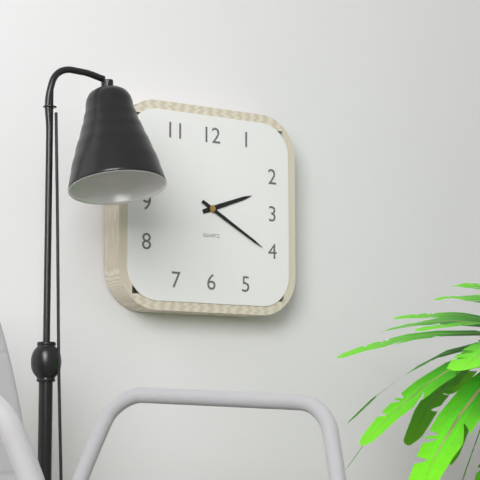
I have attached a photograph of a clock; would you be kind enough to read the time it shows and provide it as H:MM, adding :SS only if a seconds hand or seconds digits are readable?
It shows 2:20
